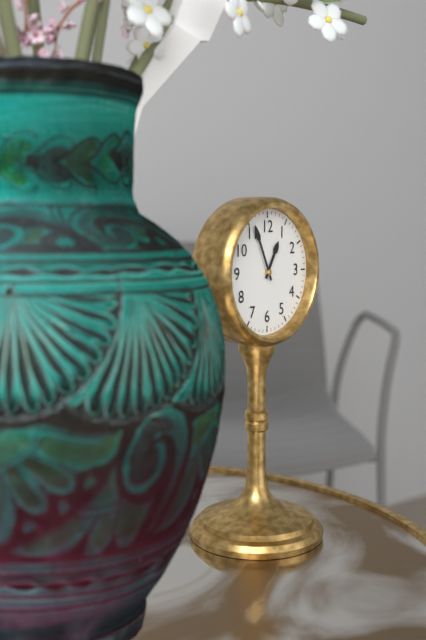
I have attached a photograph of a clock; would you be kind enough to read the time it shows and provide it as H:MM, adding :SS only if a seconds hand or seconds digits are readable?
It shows 12:56
